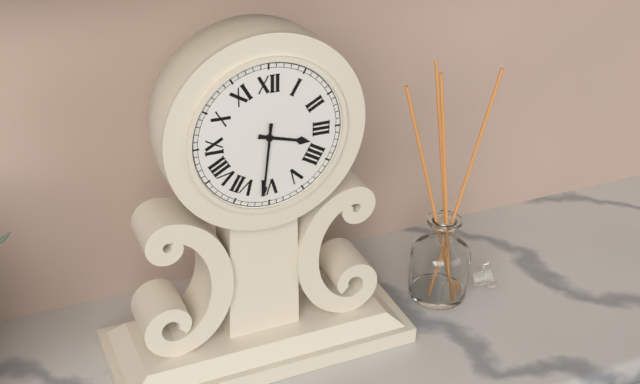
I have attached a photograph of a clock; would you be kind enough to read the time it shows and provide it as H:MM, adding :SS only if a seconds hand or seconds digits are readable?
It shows 3:31
